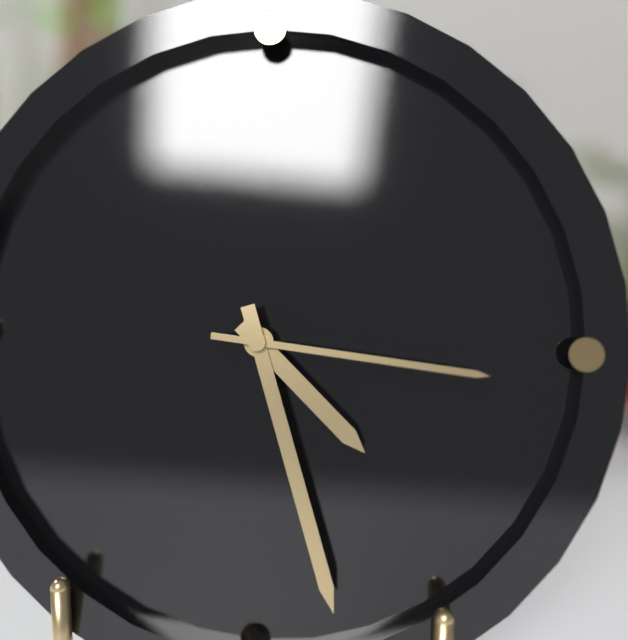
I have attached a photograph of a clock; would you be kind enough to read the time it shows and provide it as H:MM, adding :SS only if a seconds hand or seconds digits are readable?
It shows 4:27:16
